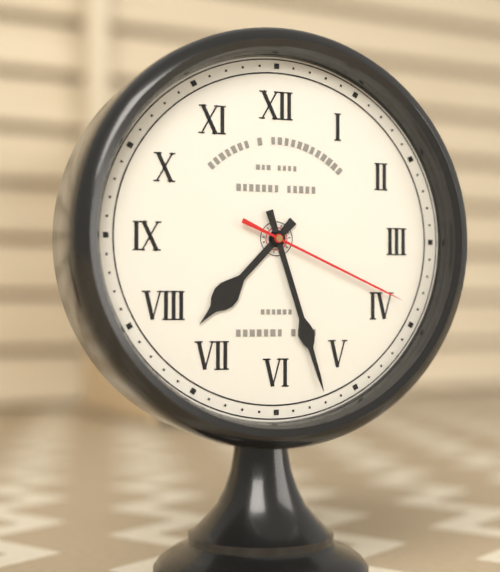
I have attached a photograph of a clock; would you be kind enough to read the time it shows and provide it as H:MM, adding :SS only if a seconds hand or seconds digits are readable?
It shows 7:27:19
